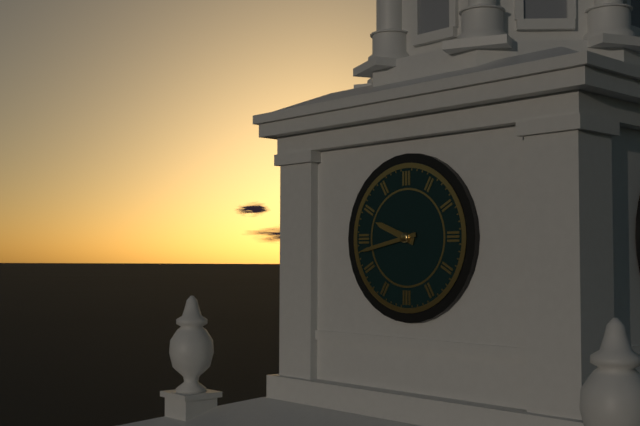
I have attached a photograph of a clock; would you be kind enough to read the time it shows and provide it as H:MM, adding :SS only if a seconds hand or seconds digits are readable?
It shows 9:43
